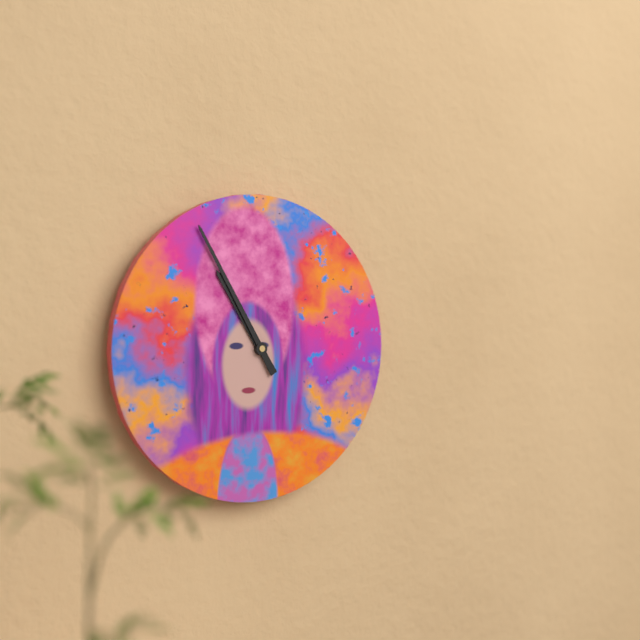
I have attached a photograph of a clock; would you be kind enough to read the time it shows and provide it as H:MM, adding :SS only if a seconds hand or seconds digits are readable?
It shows 10:55
